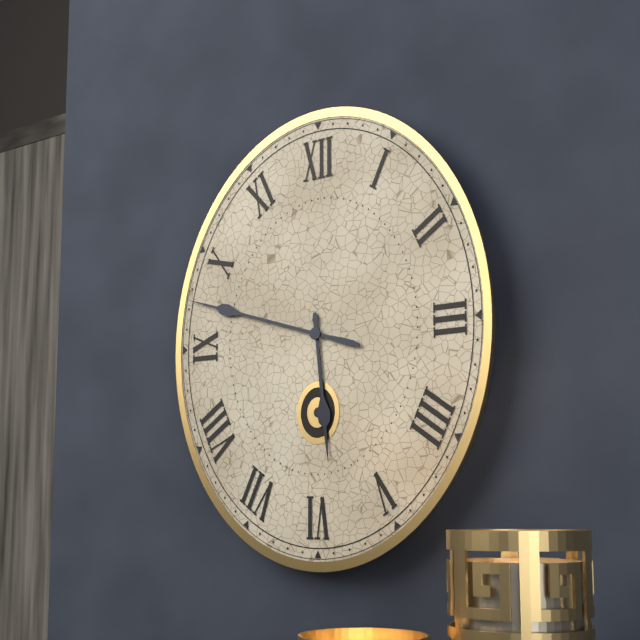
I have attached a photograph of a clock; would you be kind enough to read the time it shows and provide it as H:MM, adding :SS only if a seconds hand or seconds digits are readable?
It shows 5:48
